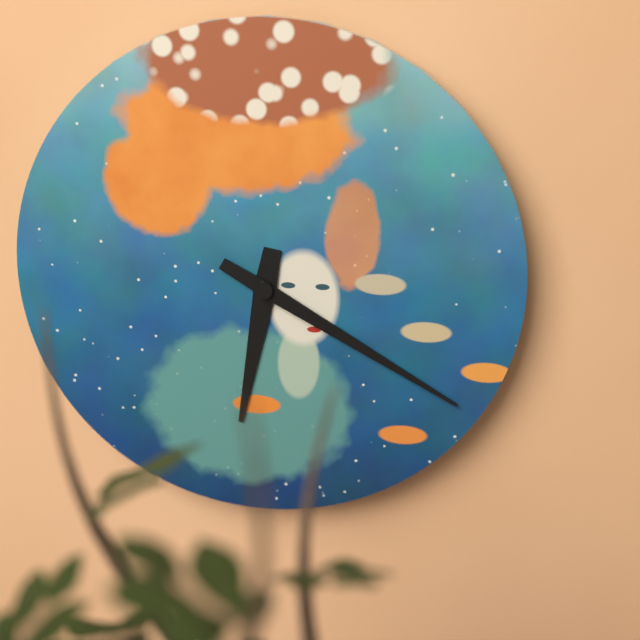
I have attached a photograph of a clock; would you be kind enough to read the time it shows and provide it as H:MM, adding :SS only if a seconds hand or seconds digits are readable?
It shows 6:20
